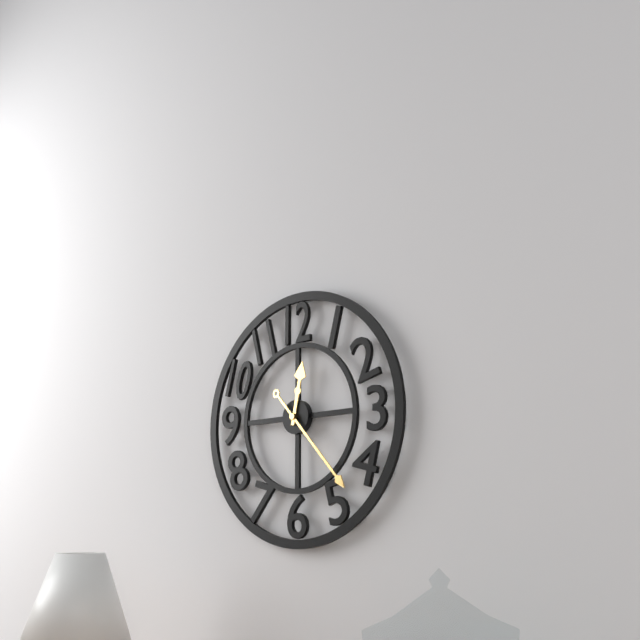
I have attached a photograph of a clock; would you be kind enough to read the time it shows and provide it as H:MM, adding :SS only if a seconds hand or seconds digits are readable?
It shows 12:23
